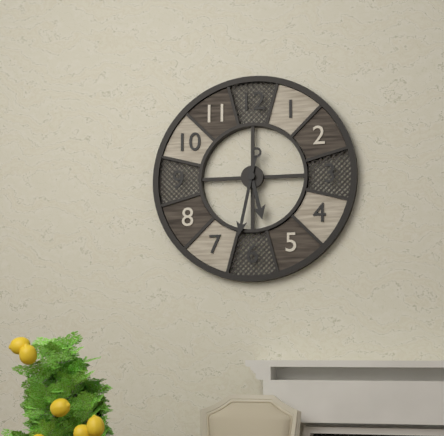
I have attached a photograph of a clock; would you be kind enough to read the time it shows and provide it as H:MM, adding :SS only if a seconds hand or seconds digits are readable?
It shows 5:32
